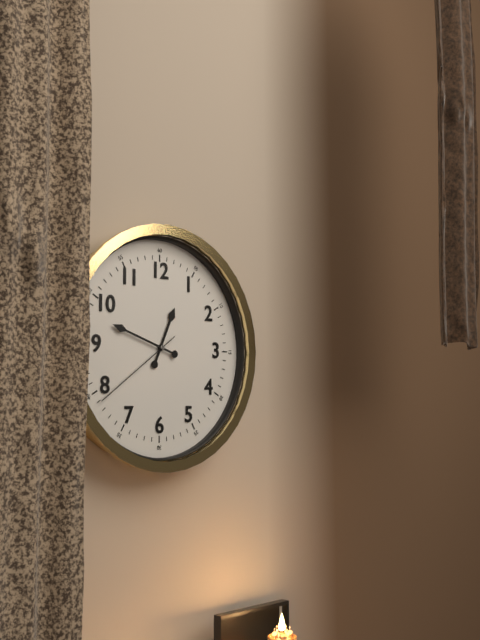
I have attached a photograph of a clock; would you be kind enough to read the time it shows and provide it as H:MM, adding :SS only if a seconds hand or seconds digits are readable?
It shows 12:48:39
